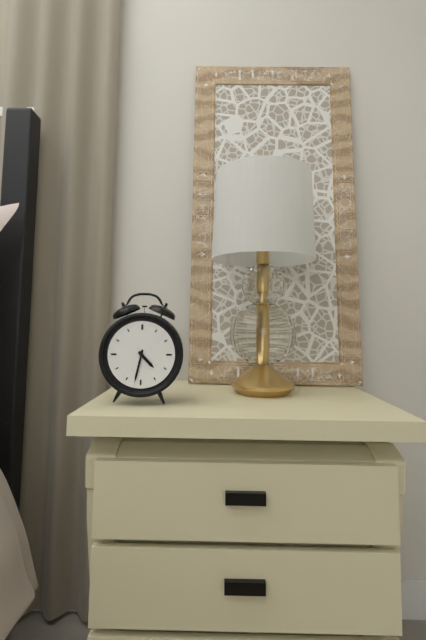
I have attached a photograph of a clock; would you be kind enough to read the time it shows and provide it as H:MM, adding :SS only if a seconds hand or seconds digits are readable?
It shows 4:32
